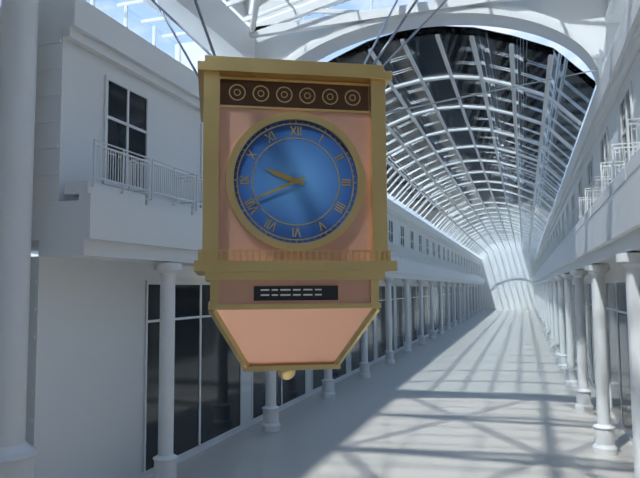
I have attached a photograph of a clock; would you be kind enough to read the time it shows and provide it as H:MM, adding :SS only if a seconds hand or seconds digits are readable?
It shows 9:41
